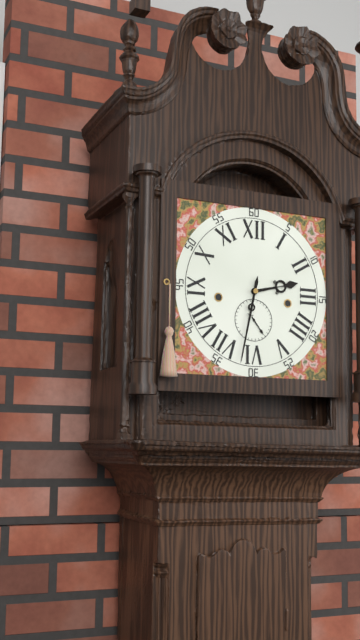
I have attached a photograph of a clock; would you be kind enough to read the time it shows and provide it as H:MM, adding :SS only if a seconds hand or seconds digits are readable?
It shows 2:32
